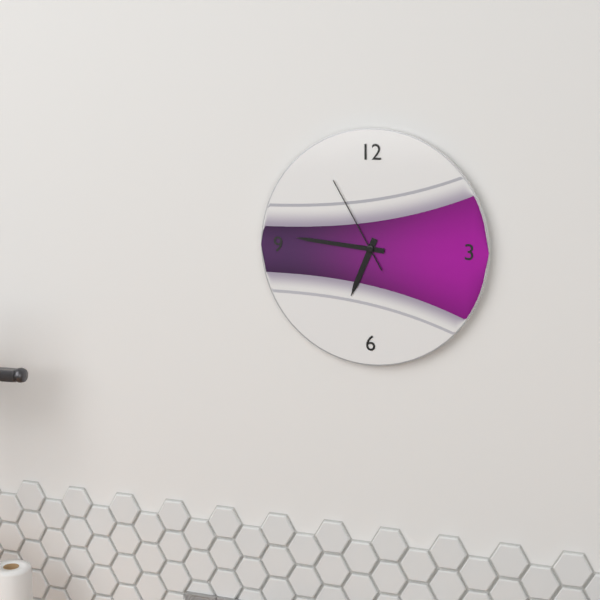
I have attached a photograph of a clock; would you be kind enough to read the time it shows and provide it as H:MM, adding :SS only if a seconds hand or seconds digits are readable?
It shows 6:46:55
